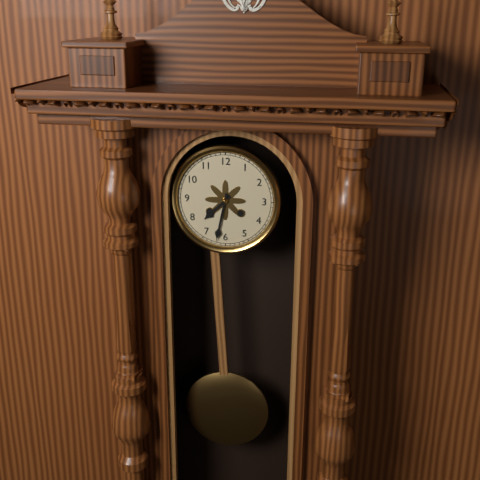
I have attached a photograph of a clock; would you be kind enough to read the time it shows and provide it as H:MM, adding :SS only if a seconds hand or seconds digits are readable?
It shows 7:32
